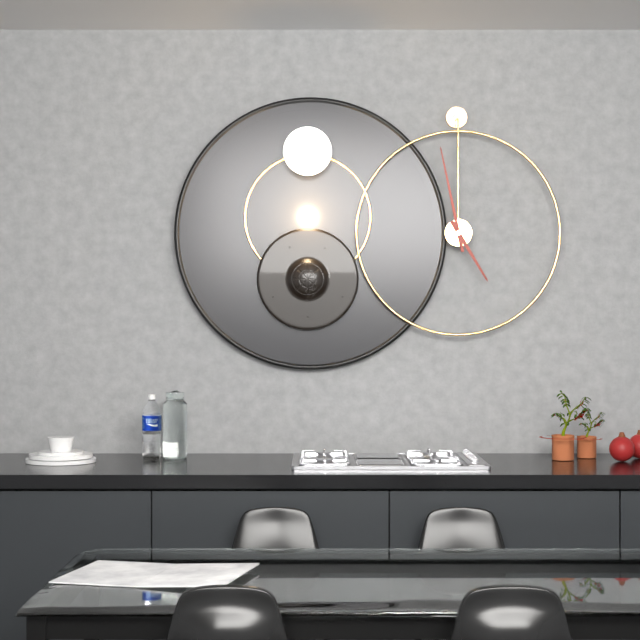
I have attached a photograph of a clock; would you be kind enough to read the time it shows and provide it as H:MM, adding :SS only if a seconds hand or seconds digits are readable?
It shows 4:58
